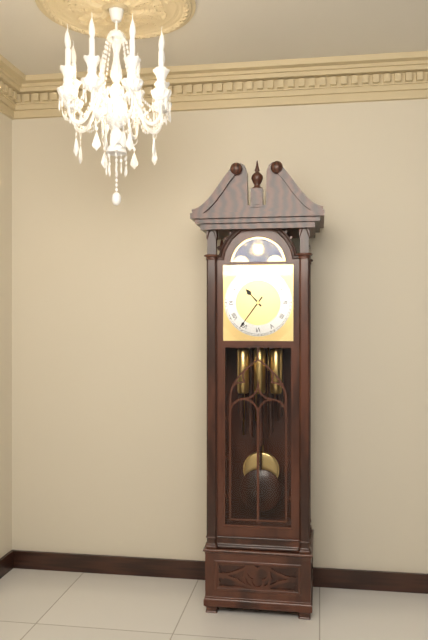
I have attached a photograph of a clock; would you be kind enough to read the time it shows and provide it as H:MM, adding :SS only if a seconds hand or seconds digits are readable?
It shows 10:36
